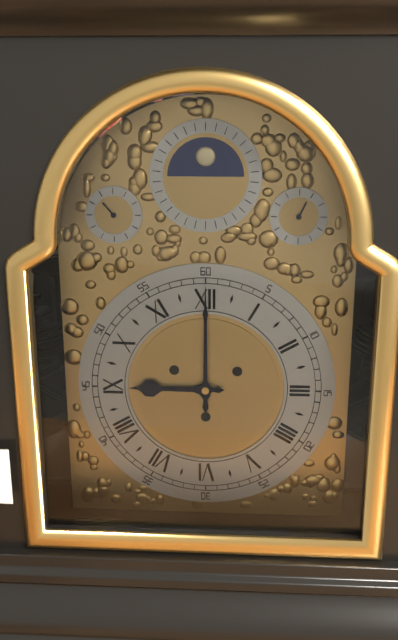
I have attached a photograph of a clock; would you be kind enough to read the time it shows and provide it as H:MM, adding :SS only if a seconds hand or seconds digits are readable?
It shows 9:00
